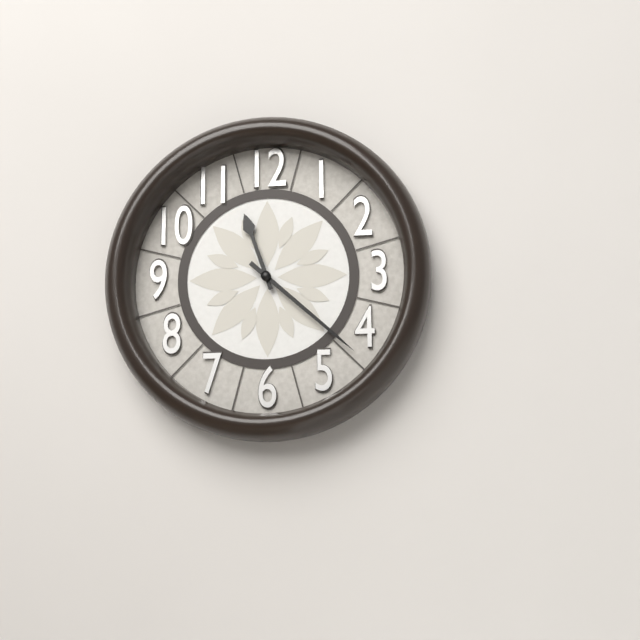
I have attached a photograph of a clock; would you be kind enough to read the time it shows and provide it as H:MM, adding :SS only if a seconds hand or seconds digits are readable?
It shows 11:22
